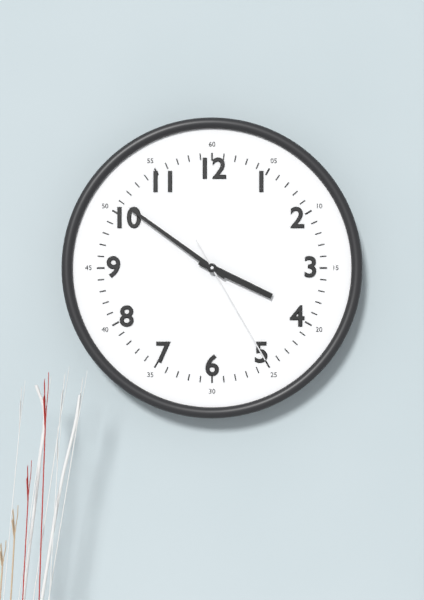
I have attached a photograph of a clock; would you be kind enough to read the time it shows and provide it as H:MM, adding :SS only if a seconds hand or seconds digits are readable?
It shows 3:51:25
